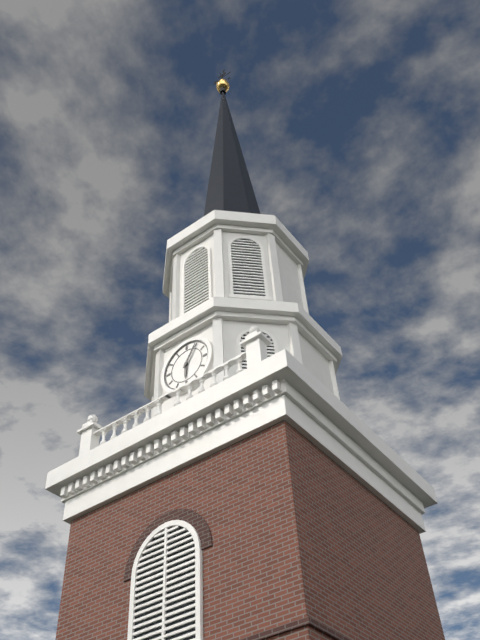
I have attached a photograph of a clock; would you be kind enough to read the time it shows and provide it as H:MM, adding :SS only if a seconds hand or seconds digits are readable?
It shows 6:05
